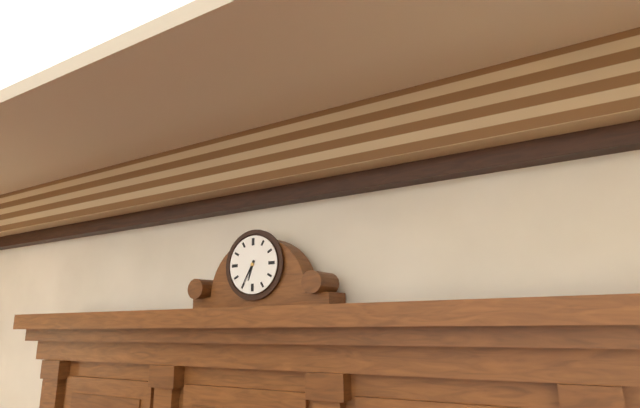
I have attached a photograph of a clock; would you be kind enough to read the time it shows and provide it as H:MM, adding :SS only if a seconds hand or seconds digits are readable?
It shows 6:35
